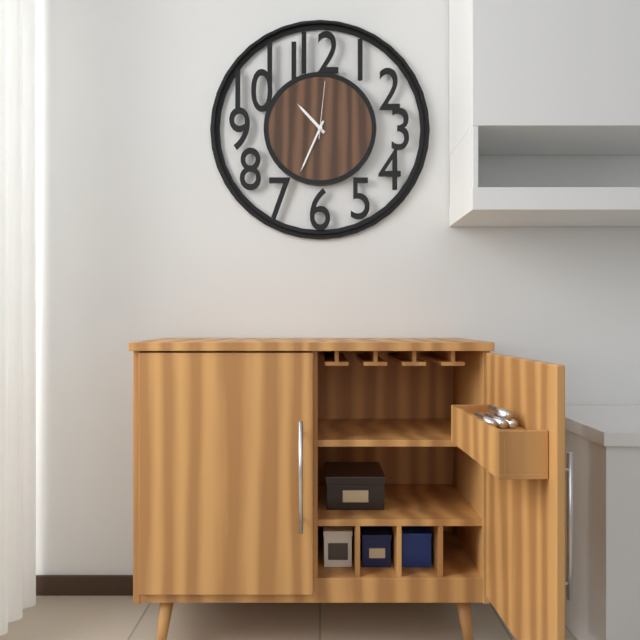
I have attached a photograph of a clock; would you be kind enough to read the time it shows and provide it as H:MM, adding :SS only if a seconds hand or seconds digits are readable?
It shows 10:34:01
